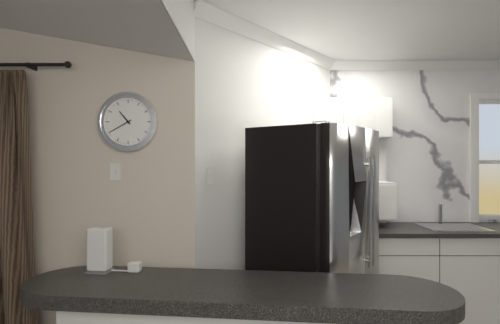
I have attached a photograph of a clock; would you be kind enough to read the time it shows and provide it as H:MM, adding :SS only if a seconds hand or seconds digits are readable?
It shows 10:40
